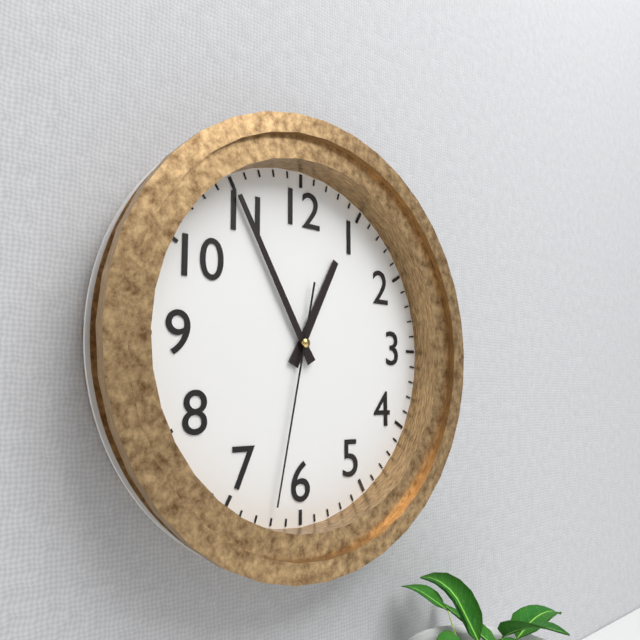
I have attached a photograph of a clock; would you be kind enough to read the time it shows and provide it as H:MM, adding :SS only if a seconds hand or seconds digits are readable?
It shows 12:55:32
